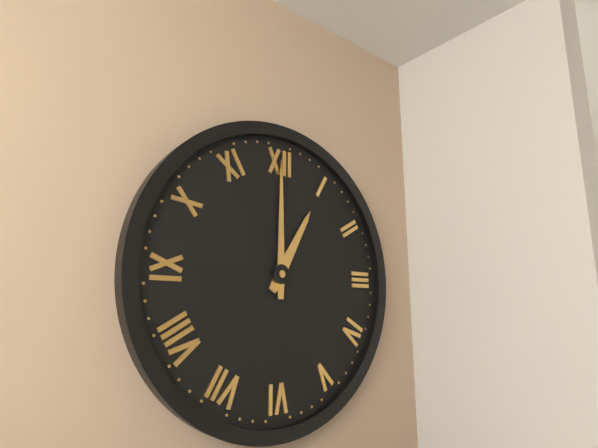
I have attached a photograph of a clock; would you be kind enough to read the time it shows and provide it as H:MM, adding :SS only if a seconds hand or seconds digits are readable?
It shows 1:00
